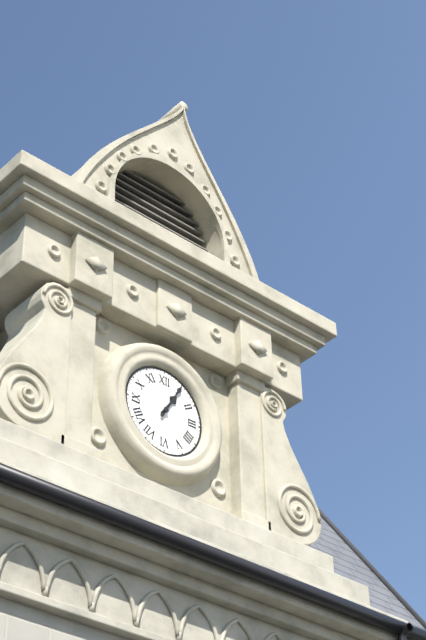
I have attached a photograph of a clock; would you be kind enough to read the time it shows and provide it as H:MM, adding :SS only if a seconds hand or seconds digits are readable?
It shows 1:05
